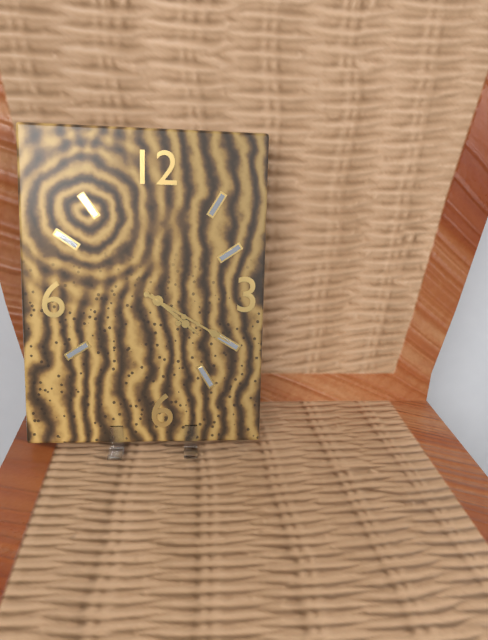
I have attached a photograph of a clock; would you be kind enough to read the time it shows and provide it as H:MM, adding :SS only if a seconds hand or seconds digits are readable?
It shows 4:20
